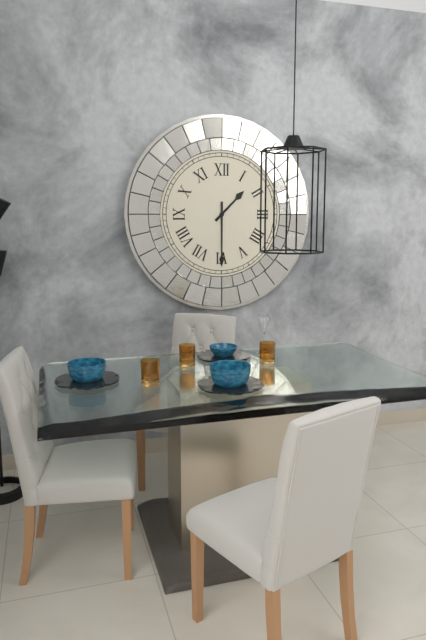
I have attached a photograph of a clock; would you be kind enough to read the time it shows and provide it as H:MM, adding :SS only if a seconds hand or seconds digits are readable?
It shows 1:30
